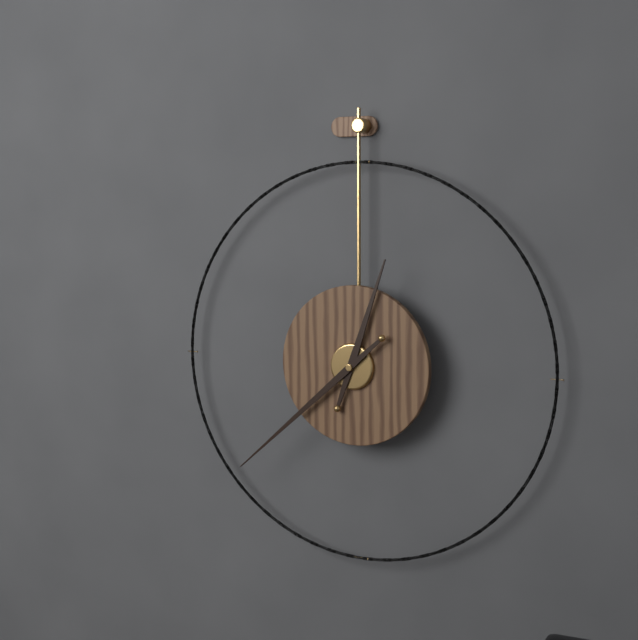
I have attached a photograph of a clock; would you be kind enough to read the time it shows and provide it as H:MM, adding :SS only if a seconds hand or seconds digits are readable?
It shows 12:38
